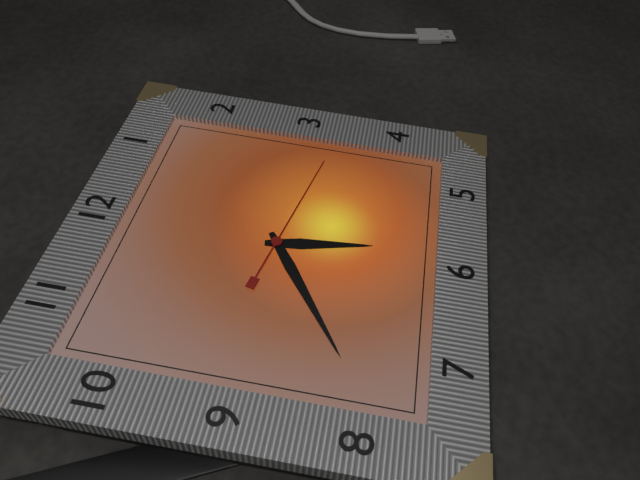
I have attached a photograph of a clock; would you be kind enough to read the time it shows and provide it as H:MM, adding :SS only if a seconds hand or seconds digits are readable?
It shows 5:39:17
